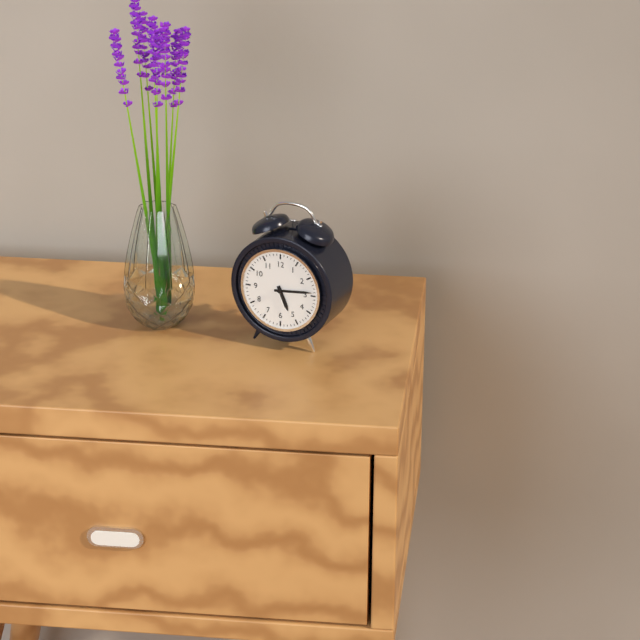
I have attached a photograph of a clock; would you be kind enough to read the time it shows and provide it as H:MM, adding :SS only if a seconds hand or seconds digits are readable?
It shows 5:14
